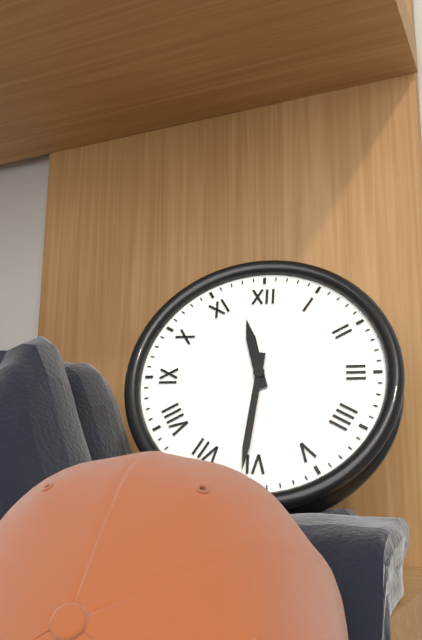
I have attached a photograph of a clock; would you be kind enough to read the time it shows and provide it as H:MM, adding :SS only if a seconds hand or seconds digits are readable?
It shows 11:31
